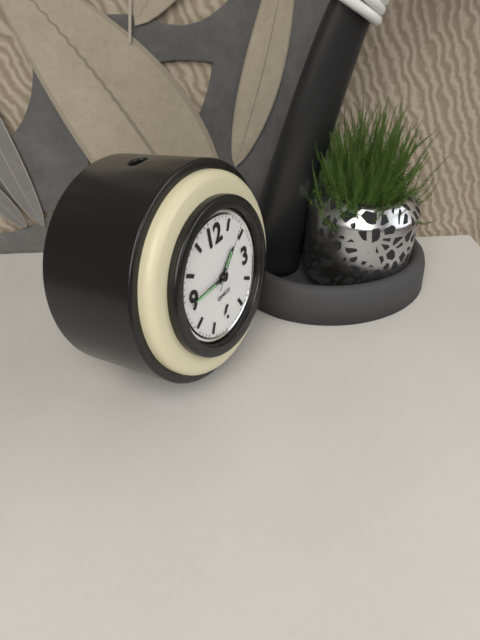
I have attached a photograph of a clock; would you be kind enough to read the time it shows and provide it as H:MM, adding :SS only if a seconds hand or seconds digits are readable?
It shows 1:45:08
